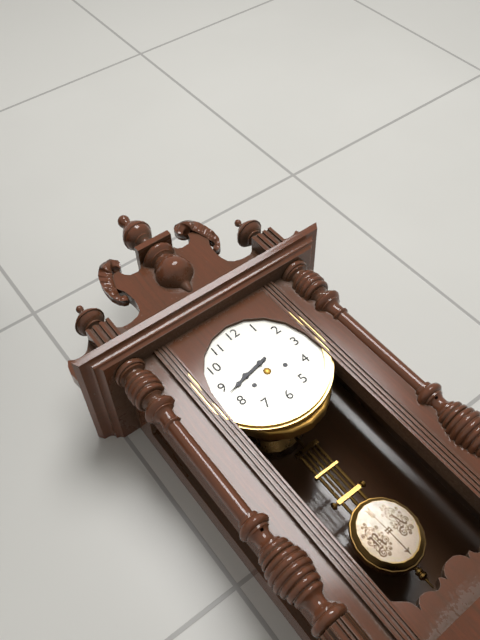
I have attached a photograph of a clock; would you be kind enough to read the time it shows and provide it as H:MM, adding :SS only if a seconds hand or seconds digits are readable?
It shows 8:43
